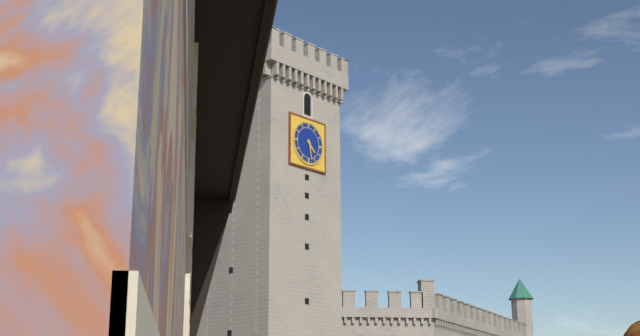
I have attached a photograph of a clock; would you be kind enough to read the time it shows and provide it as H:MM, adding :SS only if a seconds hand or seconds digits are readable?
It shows 4:28
